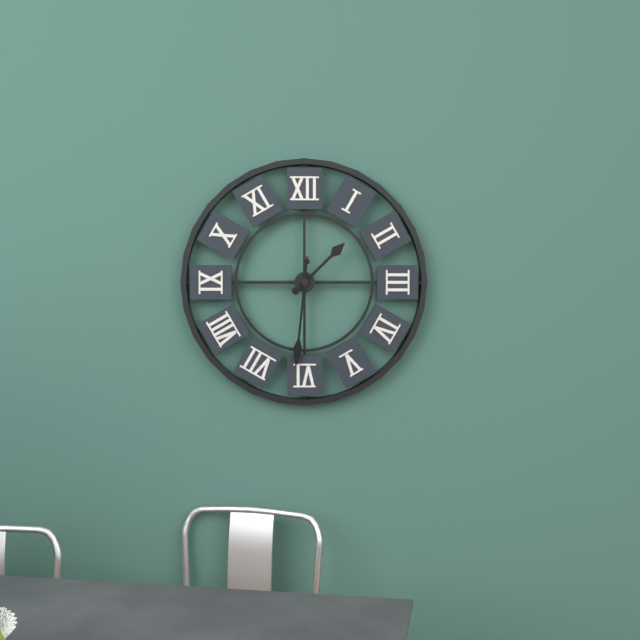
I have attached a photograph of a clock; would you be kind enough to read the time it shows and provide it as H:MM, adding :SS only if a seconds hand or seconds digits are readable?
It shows 1:31
